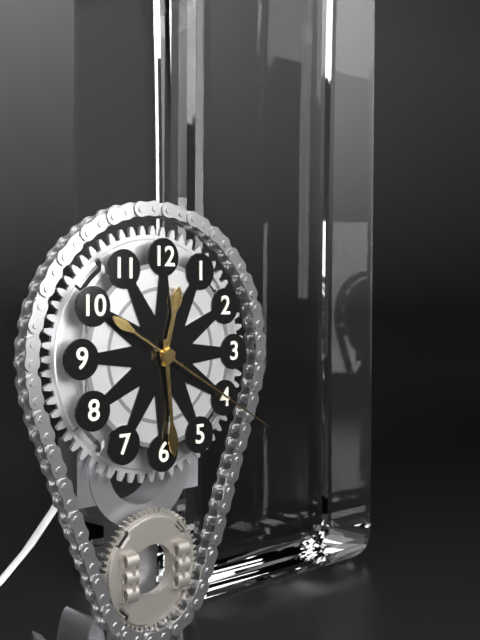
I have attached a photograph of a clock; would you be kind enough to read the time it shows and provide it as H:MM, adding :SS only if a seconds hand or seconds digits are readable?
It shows 12:29:20
